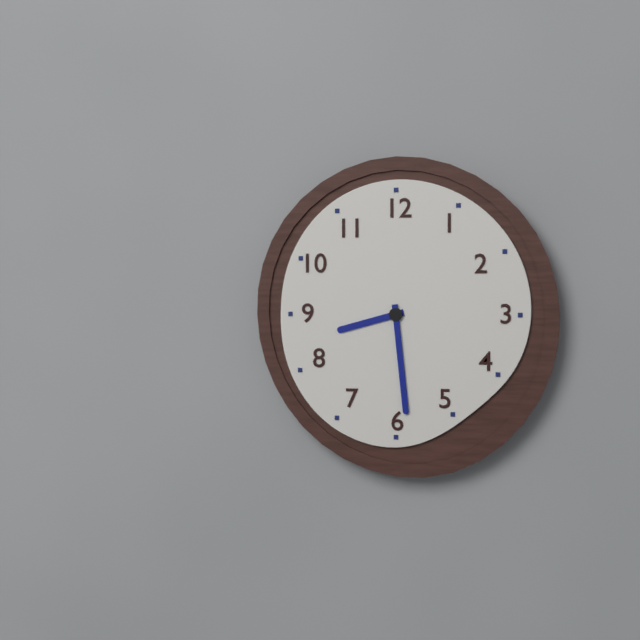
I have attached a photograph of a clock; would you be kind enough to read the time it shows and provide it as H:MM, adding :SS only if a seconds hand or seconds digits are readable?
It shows 8:29
